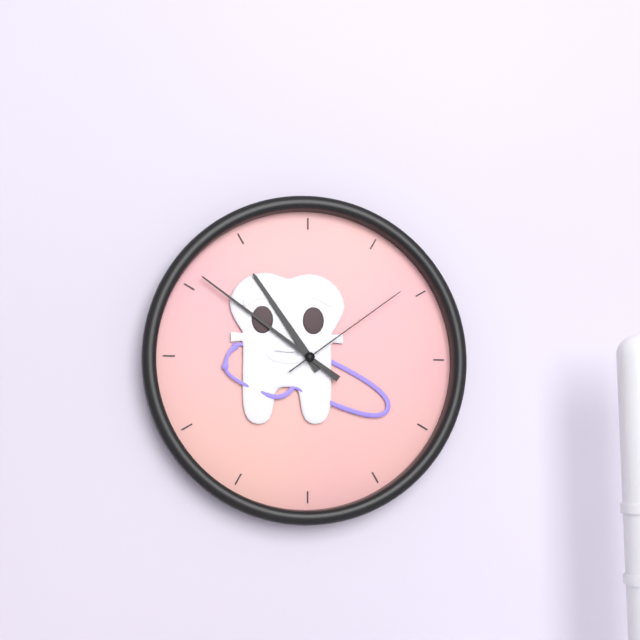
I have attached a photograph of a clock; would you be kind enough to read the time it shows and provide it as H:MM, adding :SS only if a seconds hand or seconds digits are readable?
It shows 10:51:09
